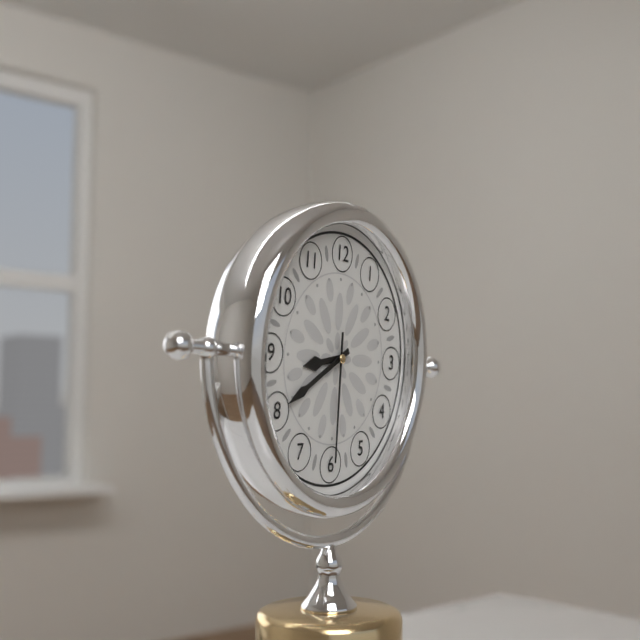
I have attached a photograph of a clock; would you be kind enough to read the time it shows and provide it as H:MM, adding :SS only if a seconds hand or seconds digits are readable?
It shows 8:40:30
